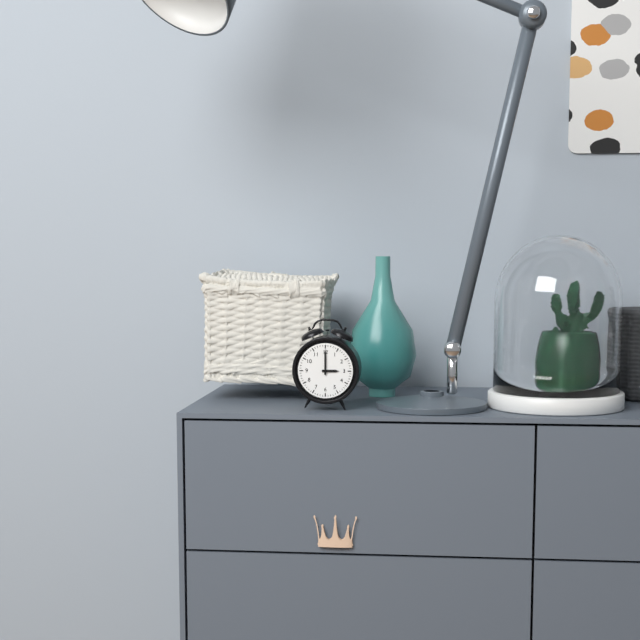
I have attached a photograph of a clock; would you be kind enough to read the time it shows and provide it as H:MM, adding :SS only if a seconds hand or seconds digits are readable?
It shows 3:00
